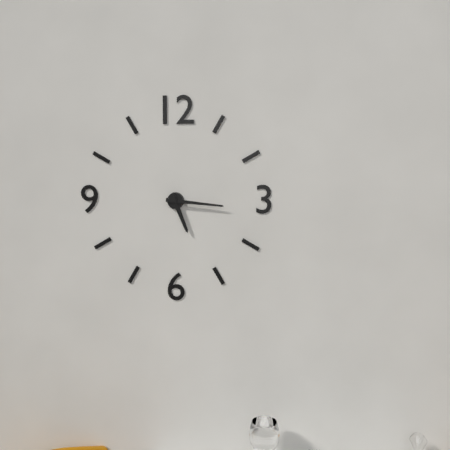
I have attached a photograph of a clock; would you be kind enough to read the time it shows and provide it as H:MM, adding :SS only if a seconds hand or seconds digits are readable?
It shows 5:16
